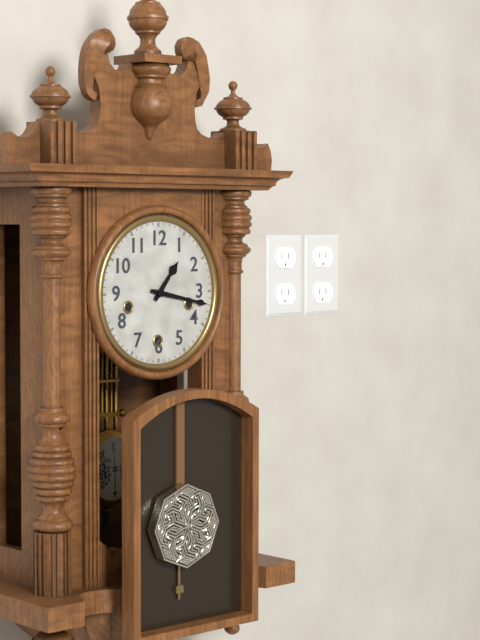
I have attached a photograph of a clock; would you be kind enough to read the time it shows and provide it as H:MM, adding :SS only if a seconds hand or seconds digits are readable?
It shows 1:17
